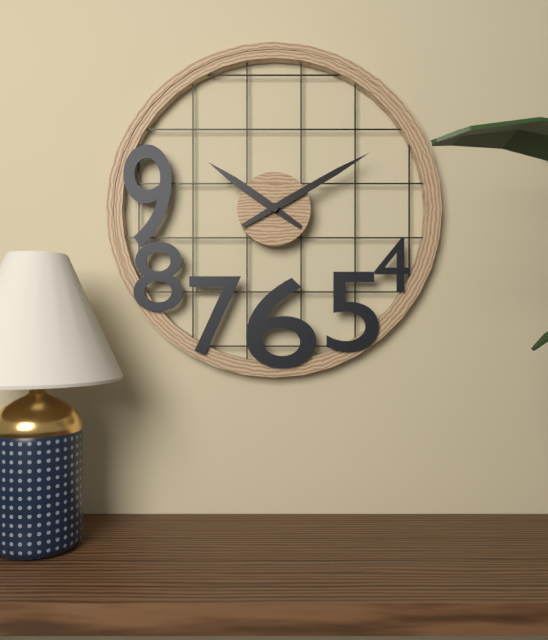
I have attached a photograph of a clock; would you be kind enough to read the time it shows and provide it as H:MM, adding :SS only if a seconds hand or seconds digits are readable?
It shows 10:10
